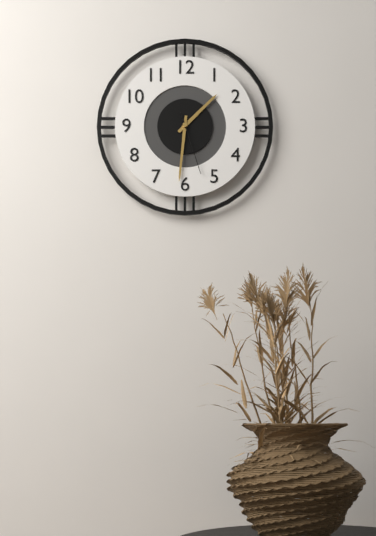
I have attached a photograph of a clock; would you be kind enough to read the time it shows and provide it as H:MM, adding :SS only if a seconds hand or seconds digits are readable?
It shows 1:31:27
